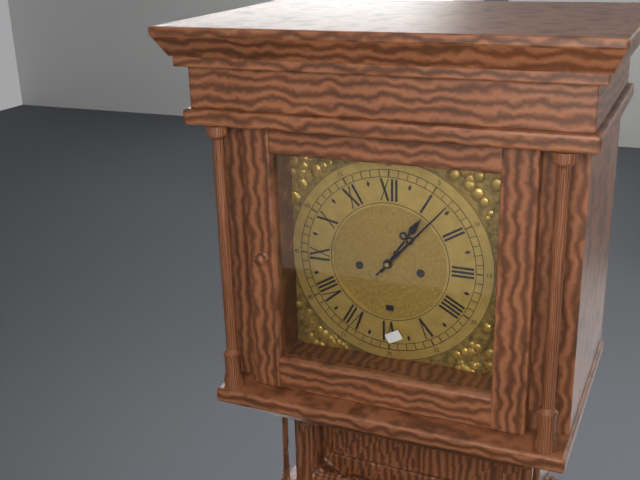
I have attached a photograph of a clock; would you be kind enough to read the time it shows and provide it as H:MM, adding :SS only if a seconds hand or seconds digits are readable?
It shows 1:07
